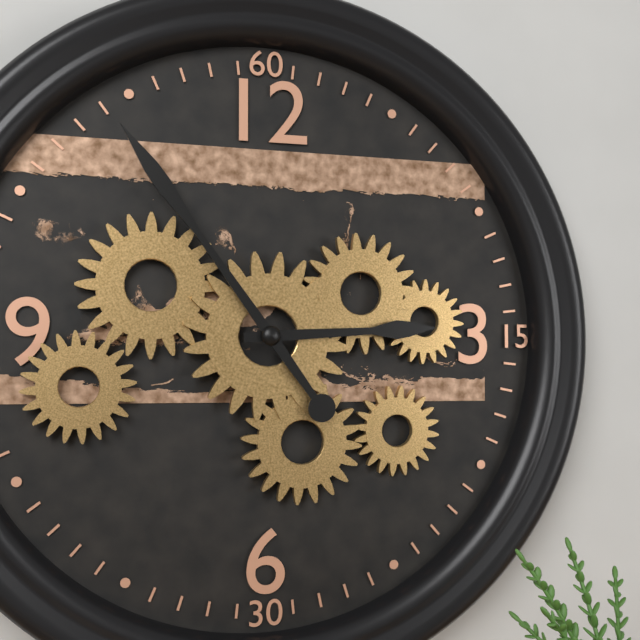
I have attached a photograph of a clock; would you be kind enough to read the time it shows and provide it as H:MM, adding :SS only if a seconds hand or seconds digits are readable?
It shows 2:54
